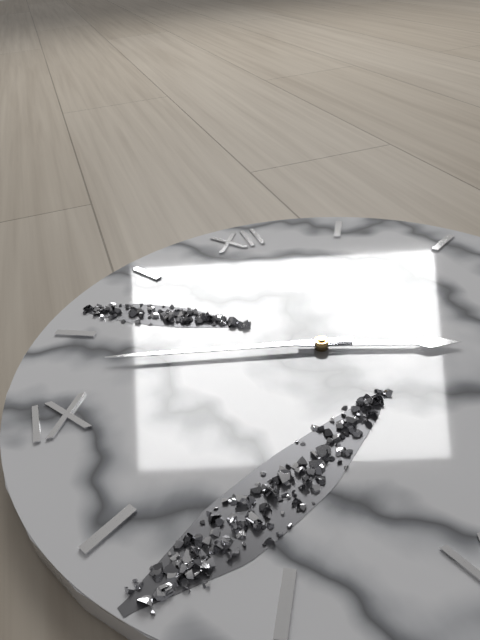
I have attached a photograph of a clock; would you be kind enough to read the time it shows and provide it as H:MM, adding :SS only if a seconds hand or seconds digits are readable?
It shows 3:48
